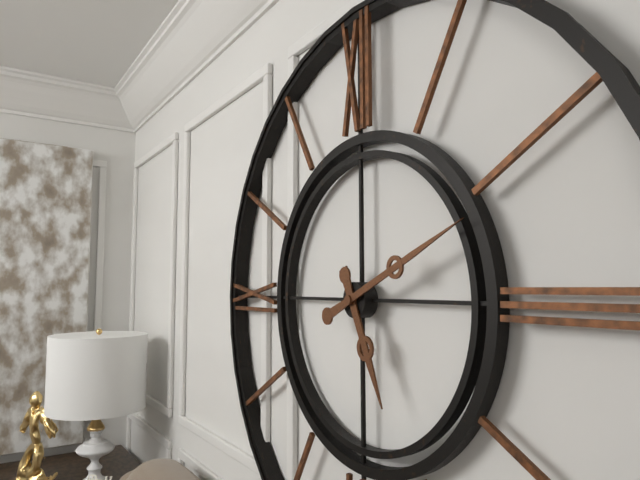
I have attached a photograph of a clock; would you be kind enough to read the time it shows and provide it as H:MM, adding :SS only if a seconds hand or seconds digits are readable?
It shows 5:11
